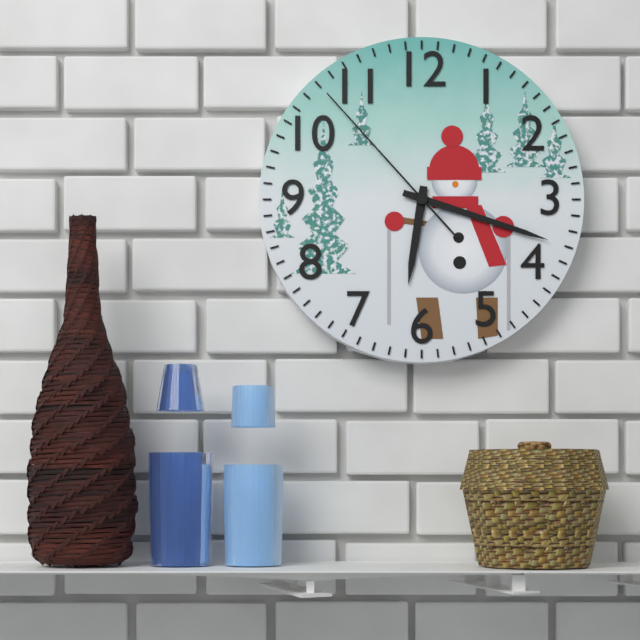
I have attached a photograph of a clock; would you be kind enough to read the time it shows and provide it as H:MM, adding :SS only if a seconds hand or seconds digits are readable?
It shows 6:18:53
